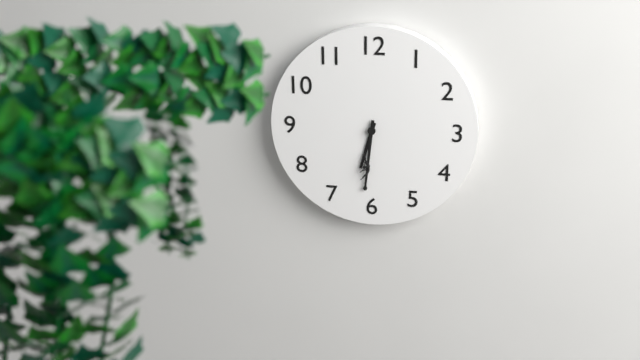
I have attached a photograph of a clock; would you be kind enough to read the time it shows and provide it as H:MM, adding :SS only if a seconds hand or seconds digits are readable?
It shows 6:31
